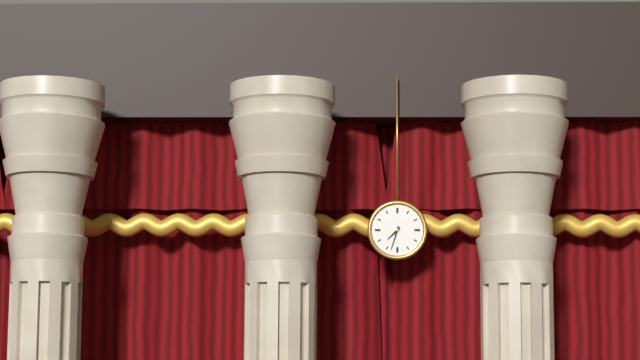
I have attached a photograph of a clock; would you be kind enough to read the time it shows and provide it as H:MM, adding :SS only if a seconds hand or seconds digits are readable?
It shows 7:33
